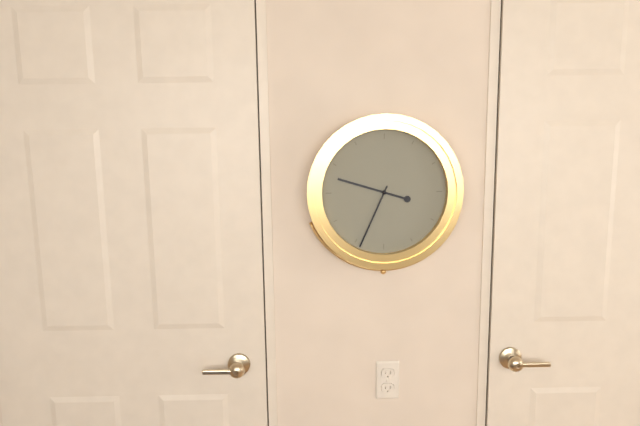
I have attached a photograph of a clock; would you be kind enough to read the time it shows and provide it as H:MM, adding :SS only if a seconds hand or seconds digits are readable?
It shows 9:34
